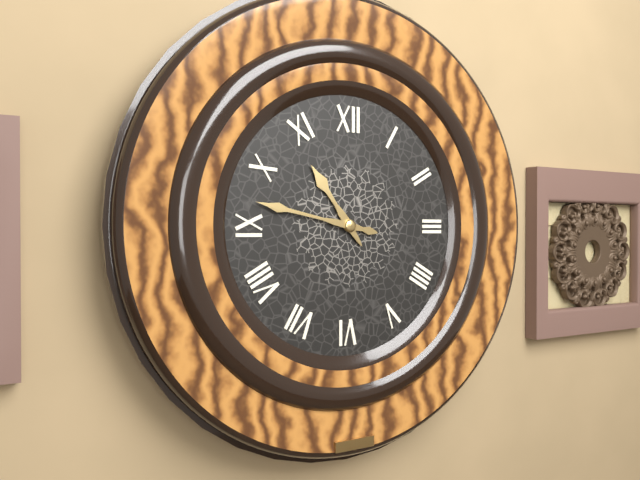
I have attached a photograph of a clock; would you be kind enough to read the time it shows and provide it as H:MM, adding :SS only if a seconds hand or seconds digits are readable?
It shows 10:47
